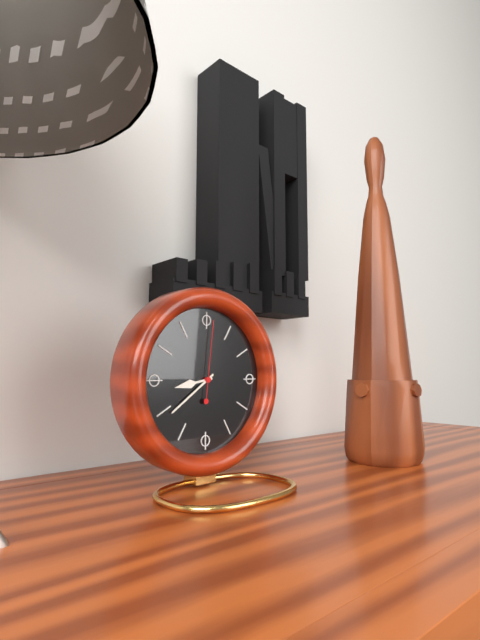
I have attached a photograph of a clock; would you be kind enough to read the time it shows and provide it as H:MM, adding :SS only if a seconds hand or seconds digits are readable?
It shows 8:39:01
